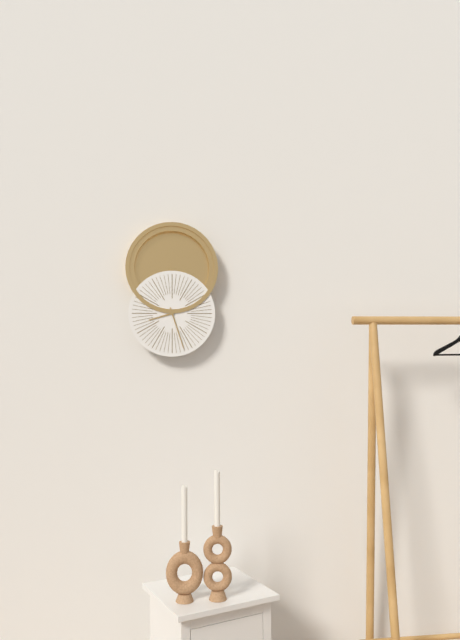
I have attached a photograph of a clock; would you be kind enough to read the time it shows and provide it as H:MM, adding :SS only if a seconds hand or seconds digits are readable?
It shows 8:27
